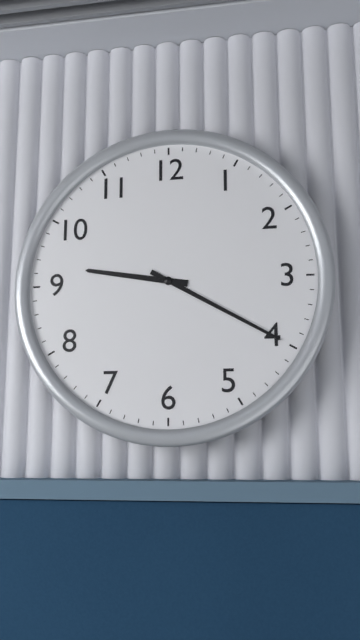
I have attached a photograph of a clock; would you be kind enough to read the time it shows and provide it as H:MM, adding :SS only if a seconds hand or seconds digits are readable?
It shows 9:20
